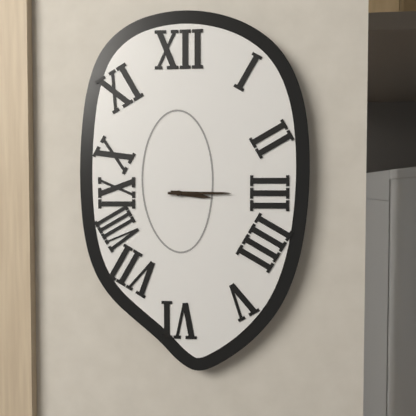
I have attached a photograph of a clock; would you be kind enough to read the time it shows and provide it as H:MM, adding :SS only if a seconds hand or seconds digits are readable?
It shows 3:15
